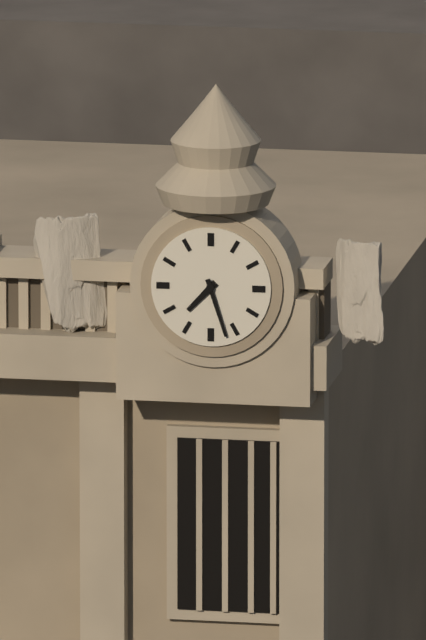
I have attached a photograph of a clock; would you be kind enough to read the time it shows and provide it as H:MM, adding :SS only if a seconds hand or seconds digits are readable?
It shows 7:27
